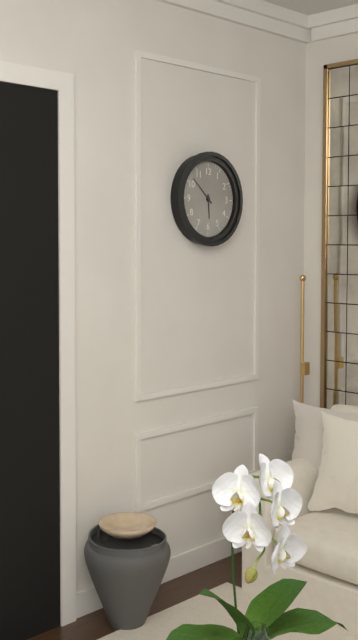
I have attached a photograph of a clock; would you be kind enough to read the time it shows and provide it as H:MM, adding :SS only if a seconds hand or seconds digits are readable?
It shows 5:52
